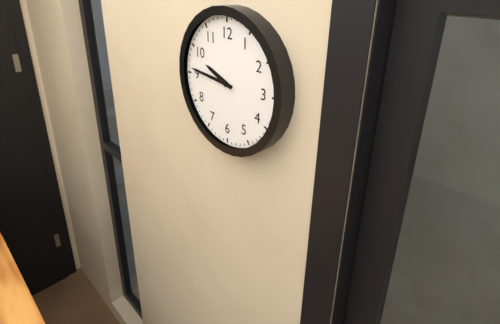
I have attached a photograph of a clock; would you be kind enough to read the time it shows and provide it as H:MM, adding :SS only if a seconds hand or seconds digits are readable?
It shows 9:46
